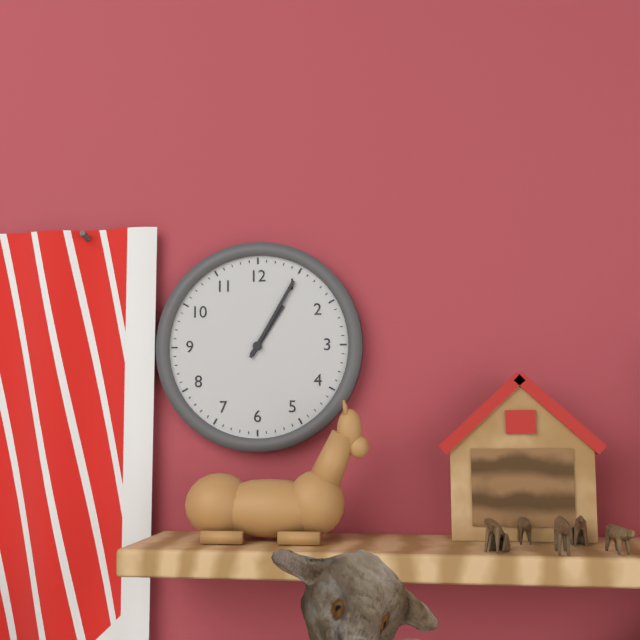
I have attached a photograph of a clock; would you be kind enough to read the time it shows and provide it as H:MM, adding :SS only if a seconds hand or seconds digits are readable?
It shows 1:05
